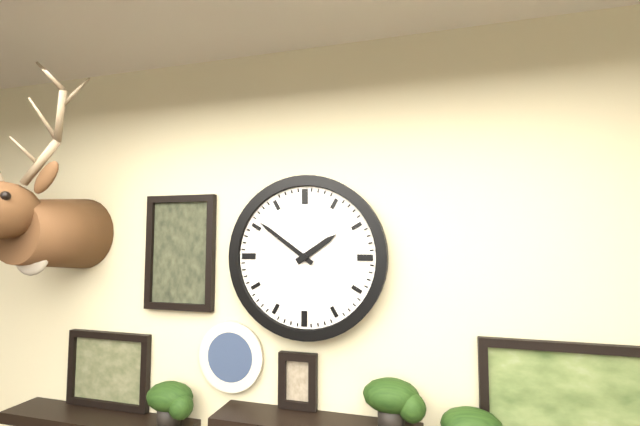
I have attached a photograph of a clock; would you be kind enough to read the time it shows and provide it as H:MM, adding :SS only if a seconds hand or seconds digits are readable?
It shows 1:51
